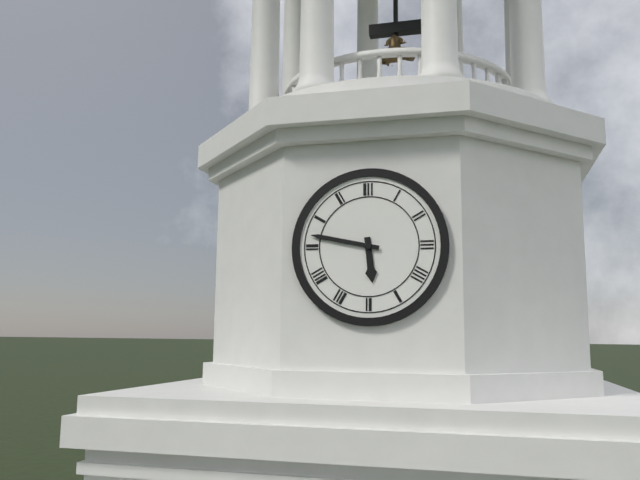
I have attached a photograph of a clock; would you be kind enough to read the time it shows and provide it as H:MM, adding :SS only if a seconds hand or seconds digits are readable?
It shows 5:47
